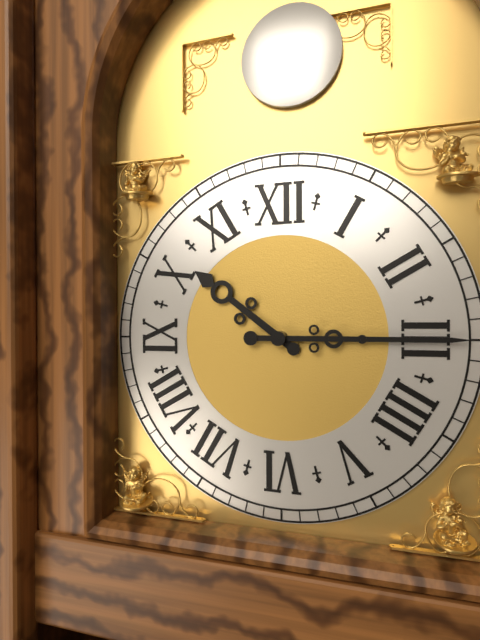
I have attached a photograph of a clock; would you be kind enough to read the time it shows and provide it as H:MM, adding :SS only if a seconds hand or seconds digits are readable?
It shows 10:15
